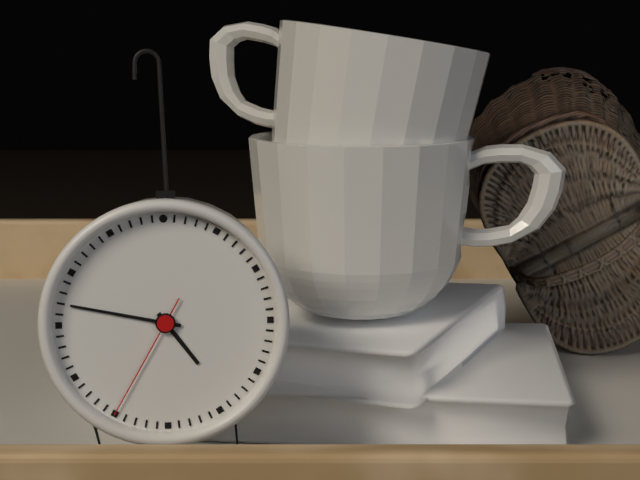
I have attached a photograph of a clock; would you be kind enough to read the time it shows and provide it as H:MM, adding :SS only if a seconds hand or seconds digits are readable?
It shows 4:47:35
